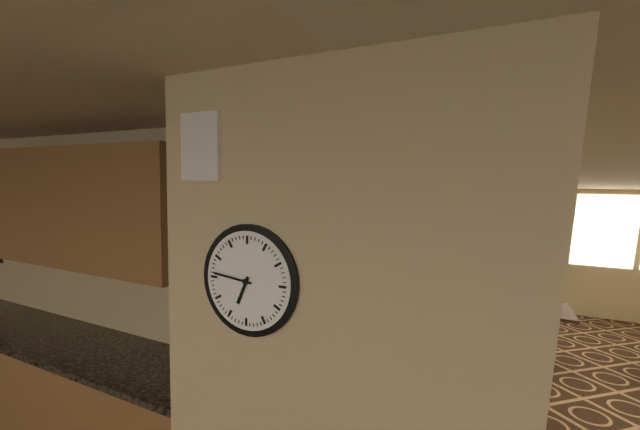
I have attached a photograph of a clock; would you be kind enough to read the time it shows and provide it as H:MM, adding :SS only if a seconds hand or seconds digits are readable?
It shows 6:46
